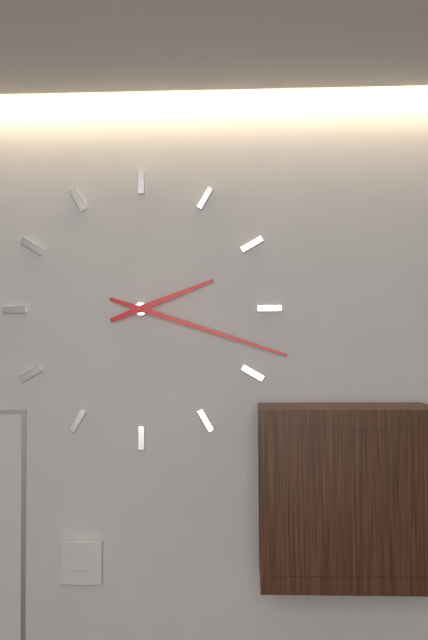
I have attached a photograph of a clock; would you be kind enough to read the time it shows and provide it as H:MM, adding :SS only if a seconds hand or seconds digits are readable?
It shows 2:18
